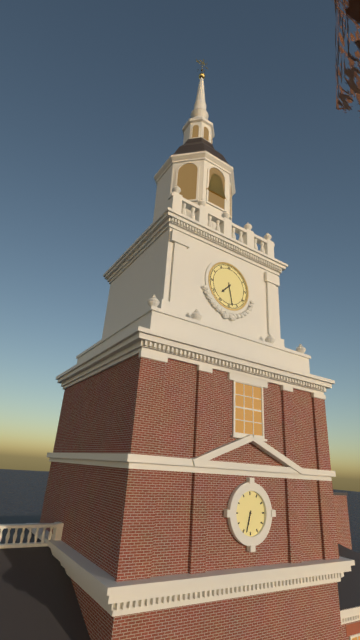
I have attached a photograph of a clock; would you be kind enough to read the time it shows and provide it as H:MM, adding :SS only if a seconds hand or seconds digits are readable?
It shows 7:28
